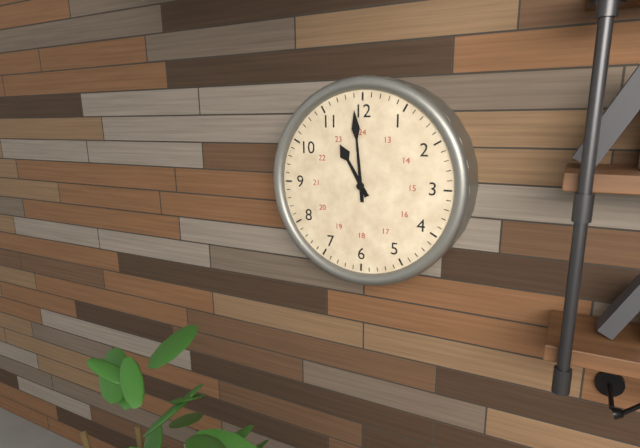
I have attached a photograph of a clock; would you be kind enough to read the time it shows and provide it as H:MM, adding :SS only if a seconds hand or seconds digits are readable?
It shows 10:59
